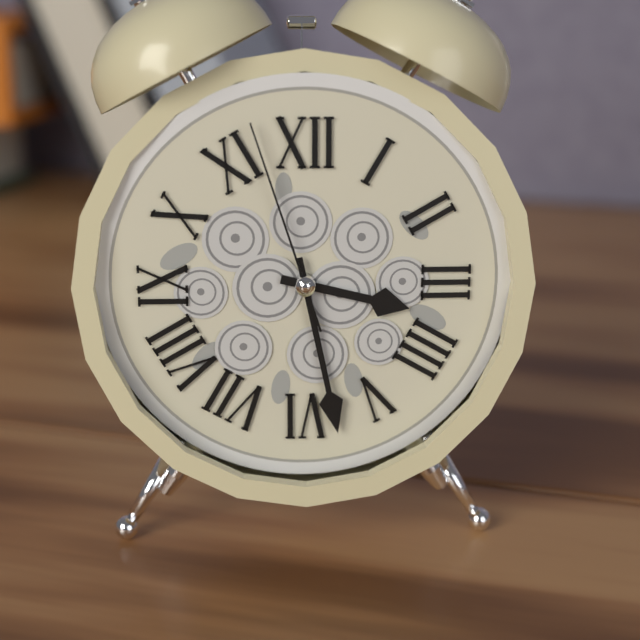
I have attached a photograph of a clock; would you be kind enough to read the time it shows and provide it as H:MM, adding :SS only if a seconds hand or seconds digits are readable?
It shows 3:28:57
